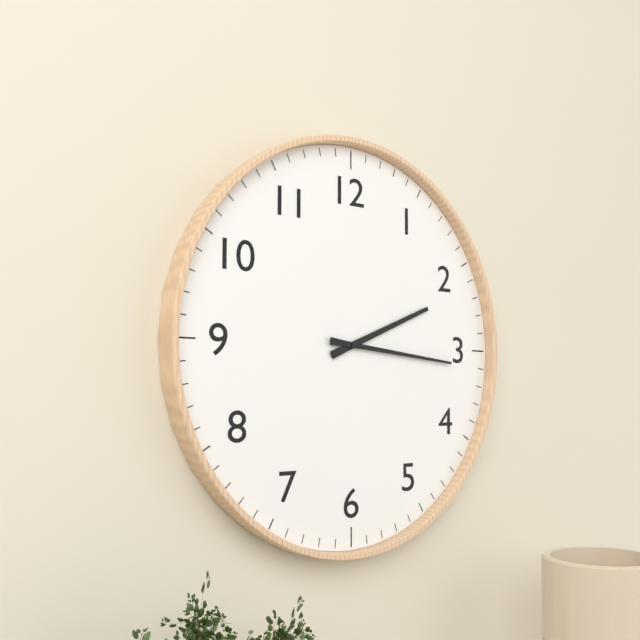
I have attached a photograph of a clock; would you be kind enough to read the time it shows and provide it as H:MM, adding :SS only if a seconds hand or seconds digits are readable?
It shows 2:16
